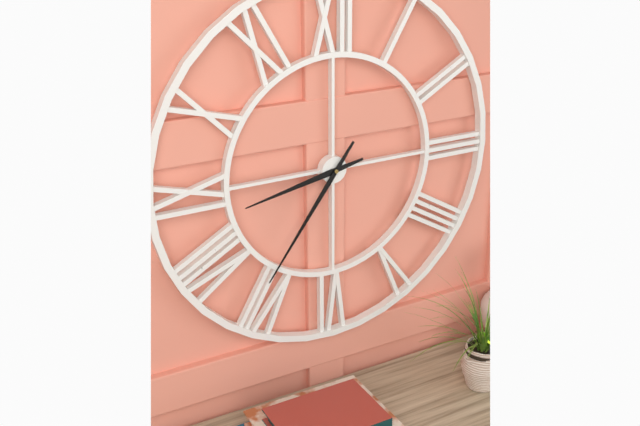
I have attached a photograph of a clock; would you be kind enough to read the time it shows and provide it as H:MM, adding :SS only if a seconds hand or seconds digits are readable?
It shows 8:36
